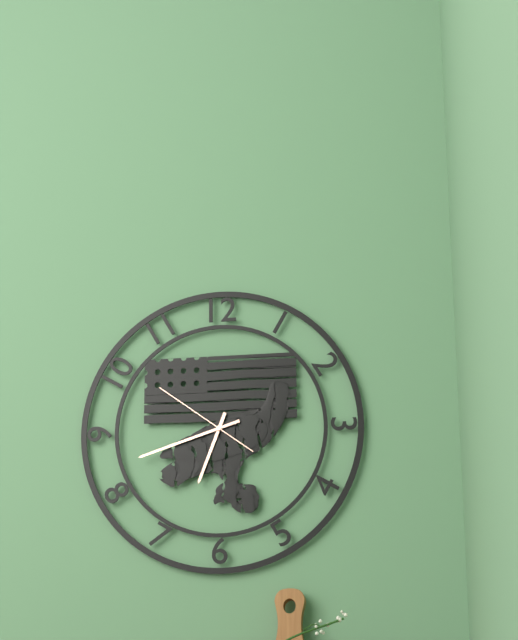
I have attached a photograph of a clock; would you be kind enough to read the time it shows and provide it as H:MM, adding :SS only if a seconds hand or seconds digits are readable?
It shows 6:42:51
